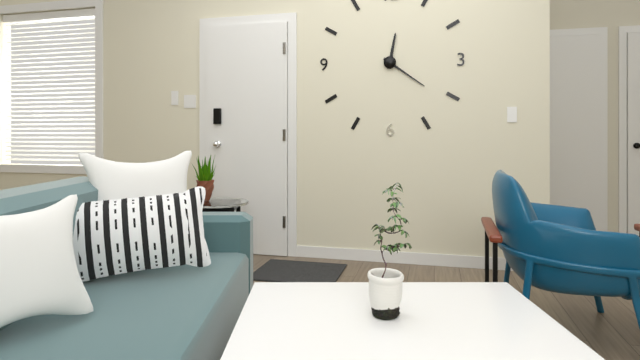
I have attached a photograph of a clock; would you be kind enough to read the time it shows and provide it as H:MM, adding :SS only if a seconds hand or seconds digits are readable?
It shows 12:21
